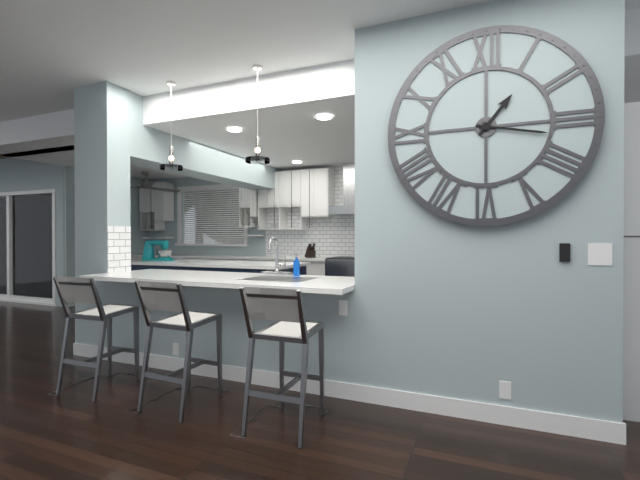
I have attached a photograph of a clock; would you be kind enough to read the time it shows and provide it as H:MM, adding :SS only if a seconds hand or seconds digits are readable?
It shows 1:17
